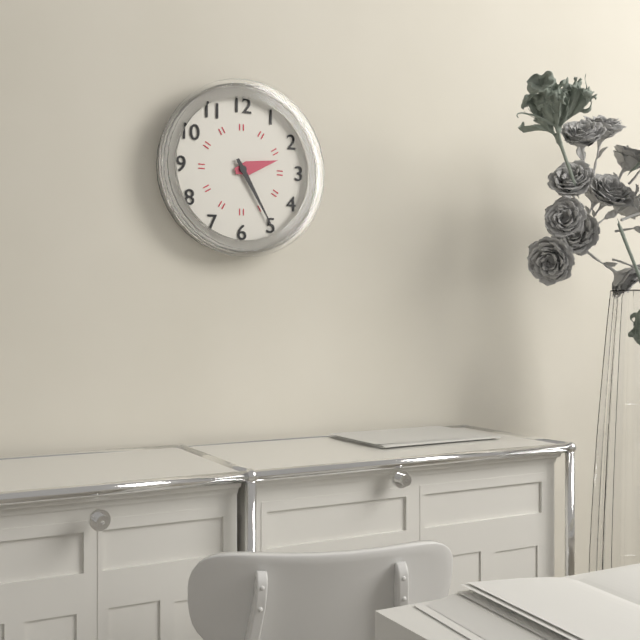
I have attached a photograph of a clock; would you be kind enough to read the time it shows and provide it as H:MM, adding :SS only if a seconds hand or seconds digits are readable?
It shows 2:25
